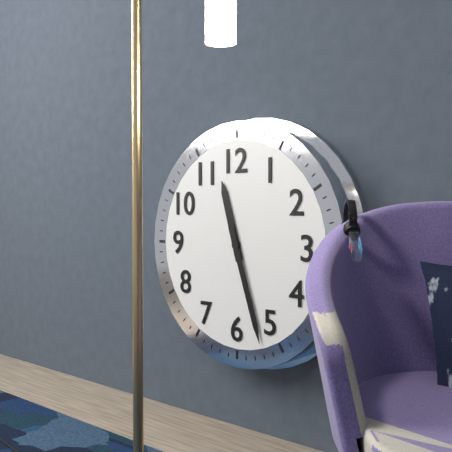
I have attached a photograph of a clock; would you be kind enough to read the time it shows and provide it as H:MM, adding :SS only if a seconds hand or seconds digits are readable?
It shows 11:27
